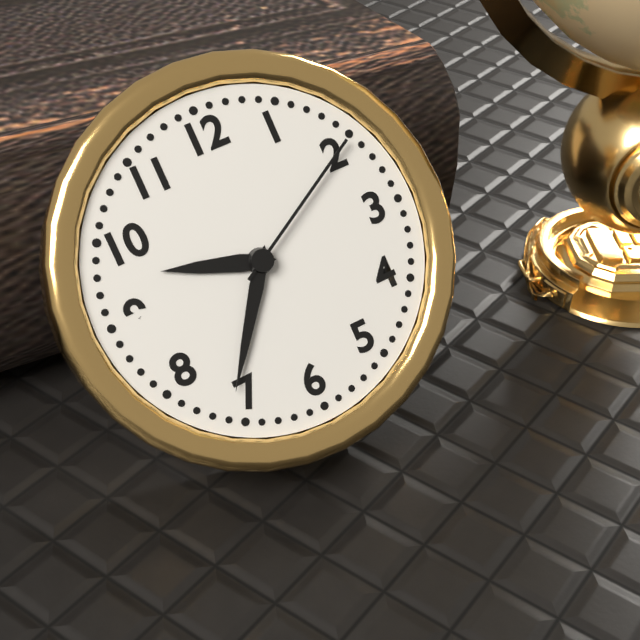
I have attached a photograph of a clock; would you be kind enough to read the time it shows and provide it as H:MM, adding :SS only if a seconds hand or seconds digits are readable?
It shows 9:36:10
